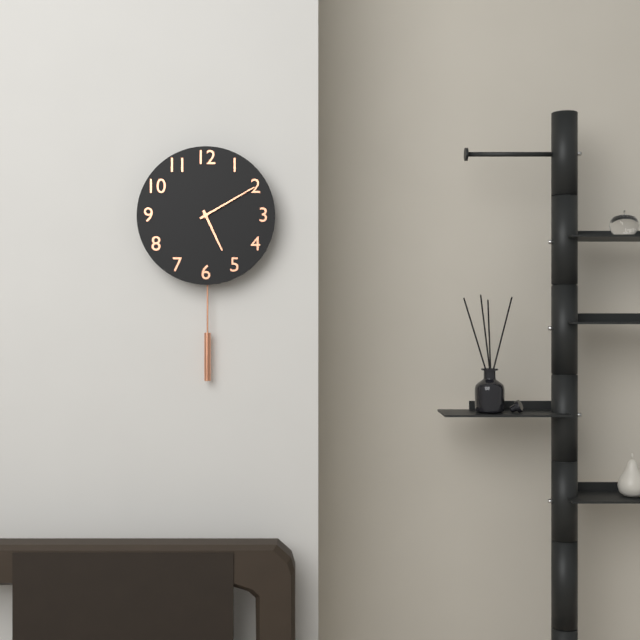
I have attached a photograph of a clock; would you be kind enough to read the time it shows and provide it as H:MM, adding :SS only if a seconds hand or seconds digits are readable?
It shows 5:10
